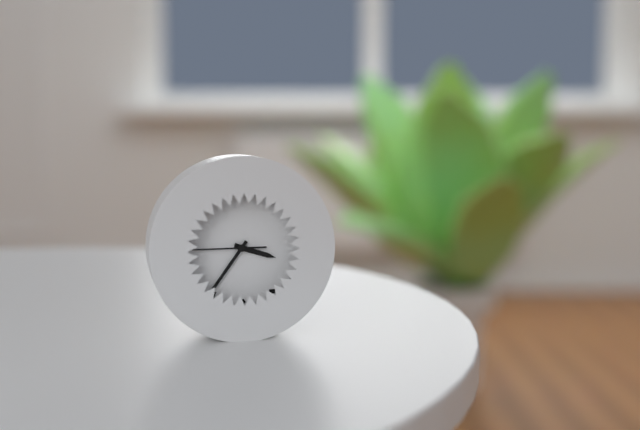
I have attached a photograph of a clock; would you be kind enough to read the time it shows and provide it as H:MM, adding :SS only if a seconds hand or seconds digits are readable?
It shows 3:36:45
